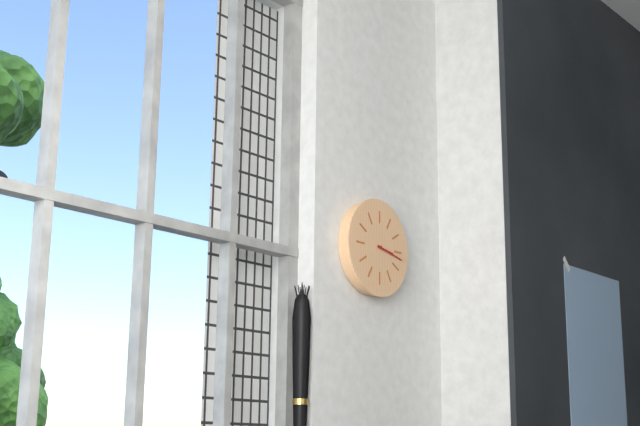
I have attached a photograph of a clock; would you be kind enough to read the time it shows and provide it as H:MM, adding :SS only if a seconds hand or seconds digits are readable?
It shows 3:17
